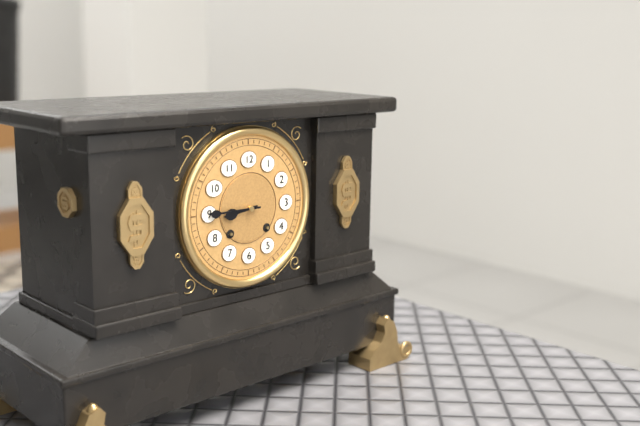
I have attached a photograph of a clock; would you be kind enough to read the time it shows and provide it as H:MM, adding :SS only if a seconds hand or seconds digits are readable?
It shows 8:45
